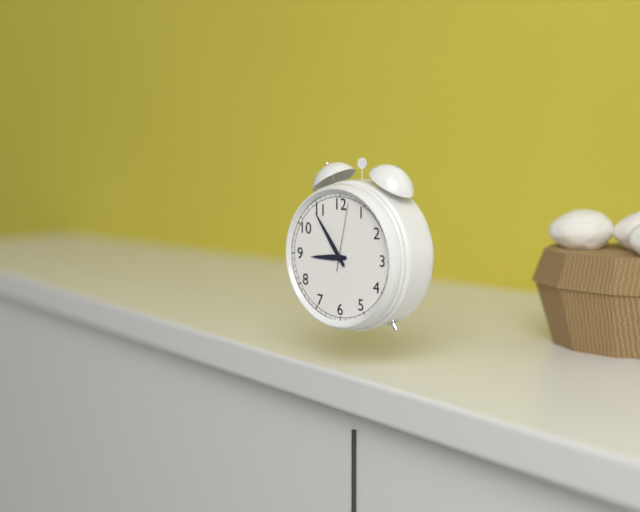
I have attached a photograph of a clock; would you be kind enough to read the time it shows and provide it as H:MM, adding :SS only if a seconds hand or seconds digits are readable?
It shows 8:54:02
